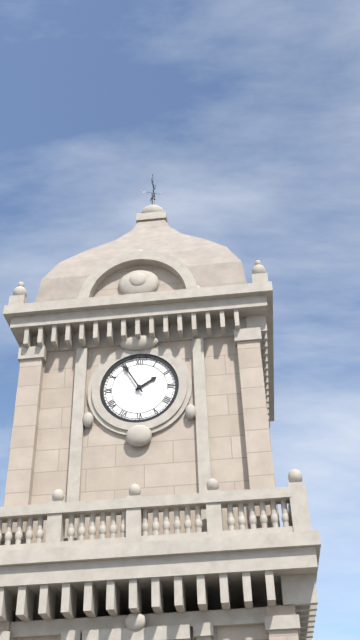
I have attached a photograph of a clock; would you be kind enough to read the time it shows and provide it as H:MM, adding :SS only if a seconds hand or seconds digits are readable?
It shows 1:55
